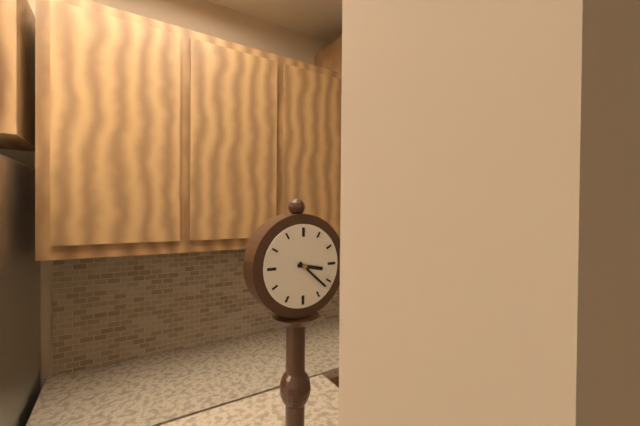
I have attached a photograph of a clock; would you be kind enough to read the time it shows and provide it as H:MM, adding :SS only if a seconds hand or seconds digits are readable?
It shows 3:22
